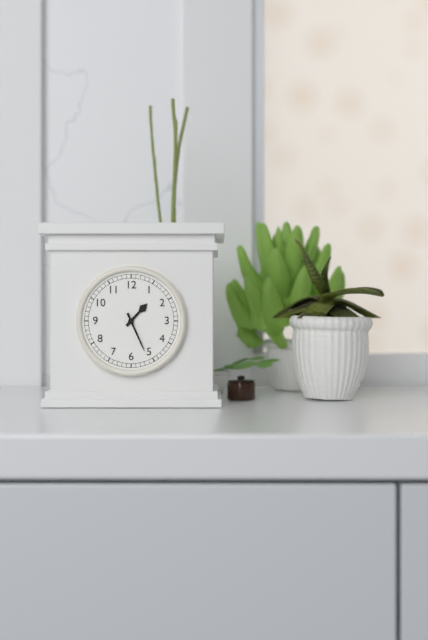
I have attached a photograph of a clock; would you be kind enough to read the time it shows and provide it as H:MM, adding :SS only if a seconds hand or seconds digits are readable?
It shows 1:26
